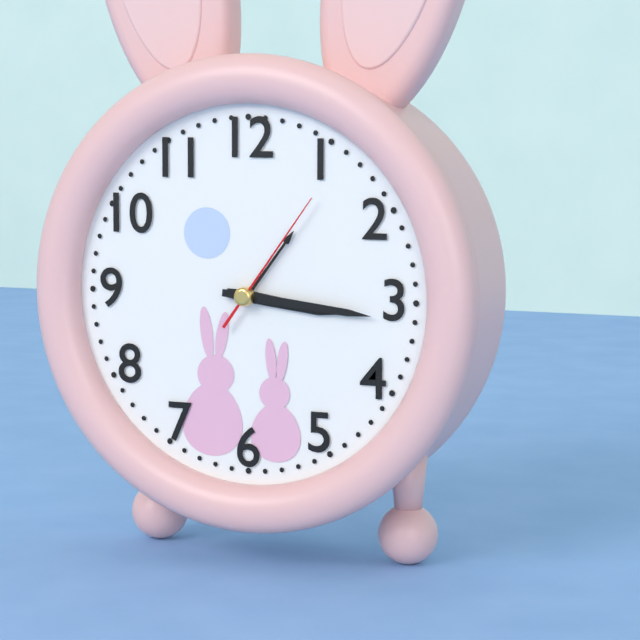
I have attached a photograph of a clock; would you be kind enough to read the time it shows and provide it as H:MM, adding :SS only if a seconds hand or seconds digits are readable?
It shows 3:16:06
